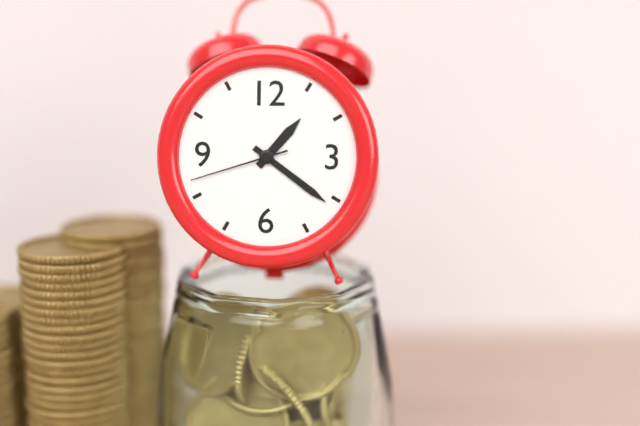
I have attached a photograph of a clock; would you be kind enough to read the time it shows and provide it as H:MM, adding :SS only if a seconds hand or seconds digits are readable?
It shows 1:21:42
